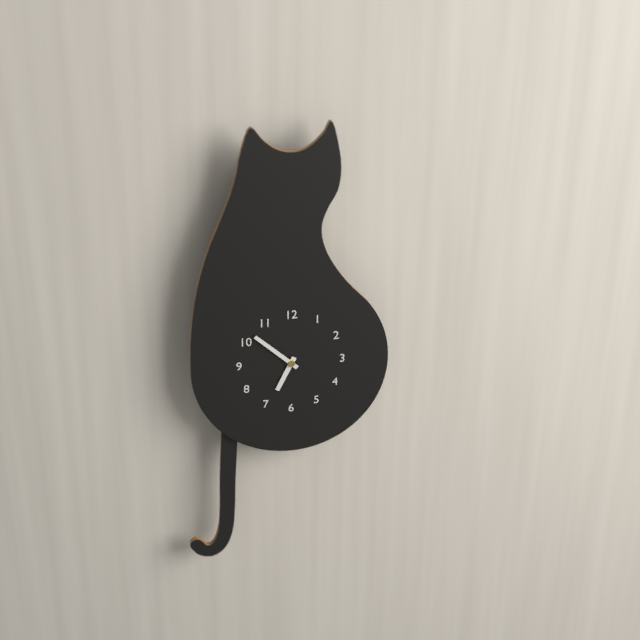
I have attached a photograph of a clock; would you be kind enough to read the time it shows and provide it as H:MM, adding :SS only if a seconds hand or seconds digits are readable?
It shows 6:52
